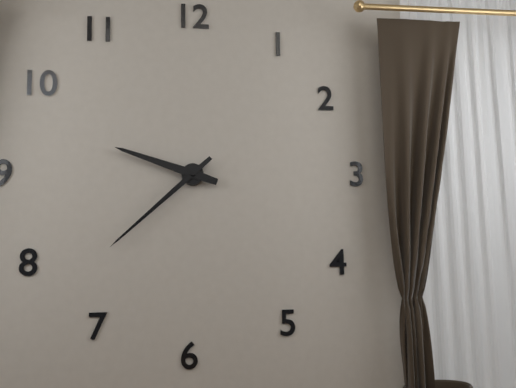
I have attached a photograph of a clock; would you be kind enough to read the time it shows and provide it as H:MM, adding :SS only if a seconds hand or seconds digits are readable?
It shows 9:38
